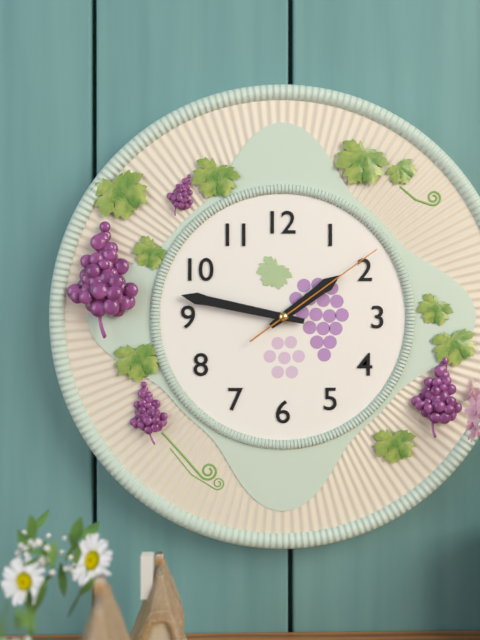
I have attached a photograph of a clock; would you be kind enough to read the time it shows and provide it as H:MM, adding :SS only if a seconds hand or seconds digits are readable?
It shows 1:47:09
